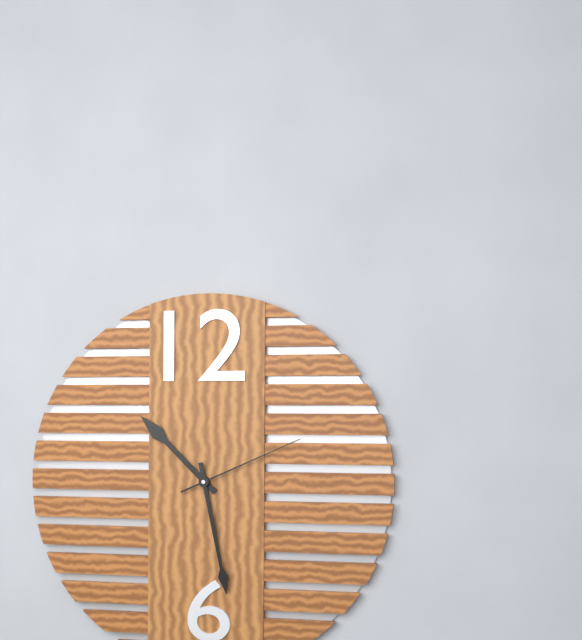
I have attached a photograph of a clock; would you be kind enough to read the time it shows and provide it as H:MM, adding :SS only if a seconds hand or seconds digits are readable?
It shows 10:28:11
